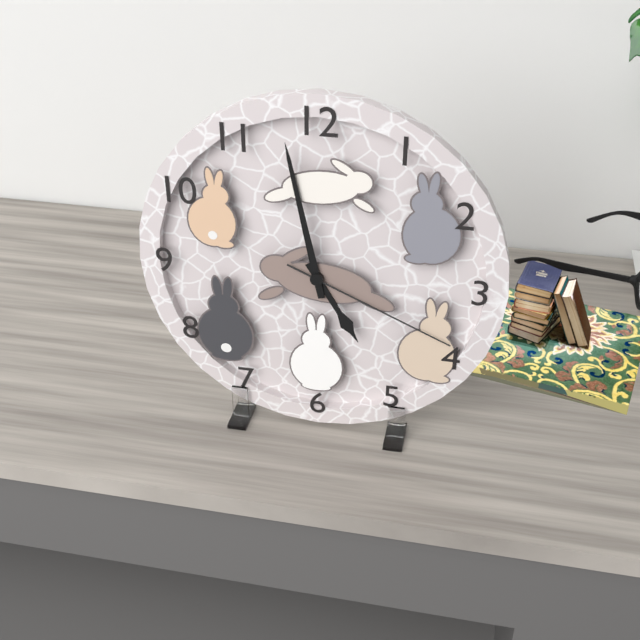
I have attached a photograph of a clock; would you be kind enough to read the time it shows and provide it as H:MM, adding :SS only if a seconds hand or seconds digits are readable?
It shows 4:58:19
